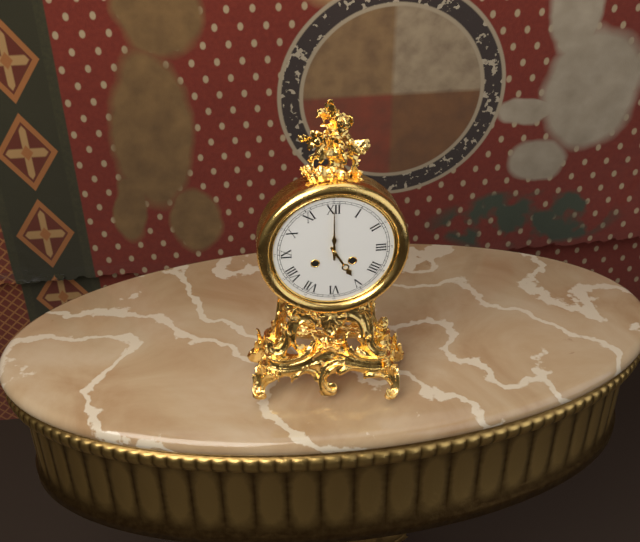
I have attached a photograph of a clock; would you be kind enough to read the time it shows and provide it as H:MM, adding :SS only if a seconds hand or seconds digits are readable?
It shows 5:00
